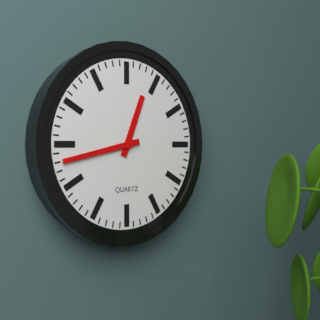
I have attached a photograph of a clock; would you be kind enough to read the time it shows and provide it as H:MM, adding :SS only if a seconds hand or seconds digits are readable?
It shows 12:43
